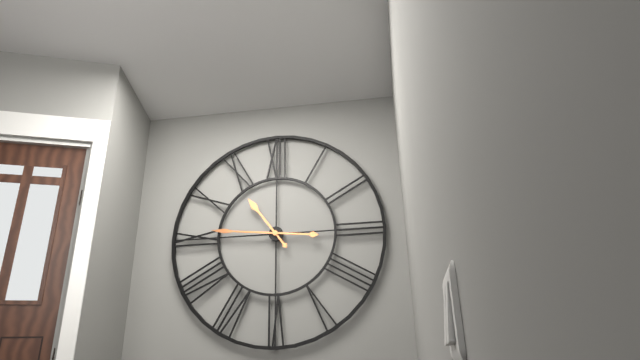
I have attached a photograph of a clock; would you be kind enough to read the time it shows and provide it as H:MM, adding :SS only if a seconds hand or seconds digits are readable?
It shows 10:46
